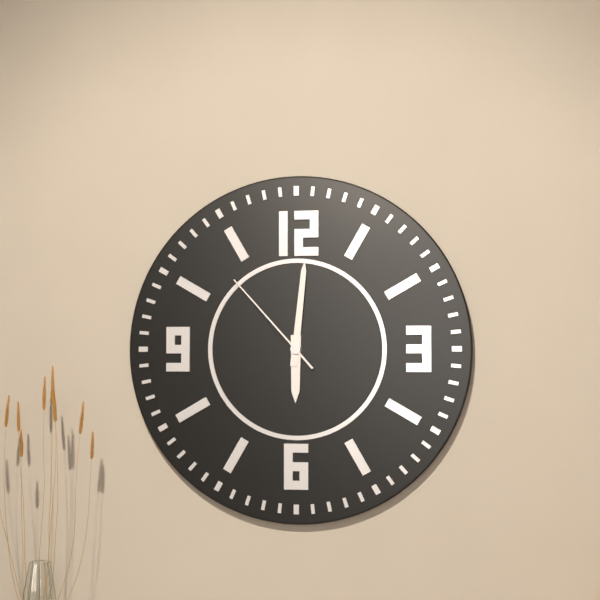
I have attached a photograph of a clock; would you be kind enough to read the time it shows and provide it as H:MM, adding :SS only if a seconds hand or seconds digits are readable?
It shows 6:01:53
